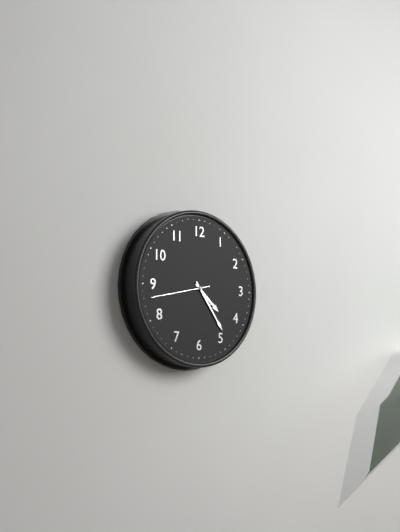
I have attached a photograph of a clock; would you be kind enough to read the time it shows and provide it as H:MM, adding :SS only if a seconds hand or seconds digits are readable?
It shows 4:24:43
